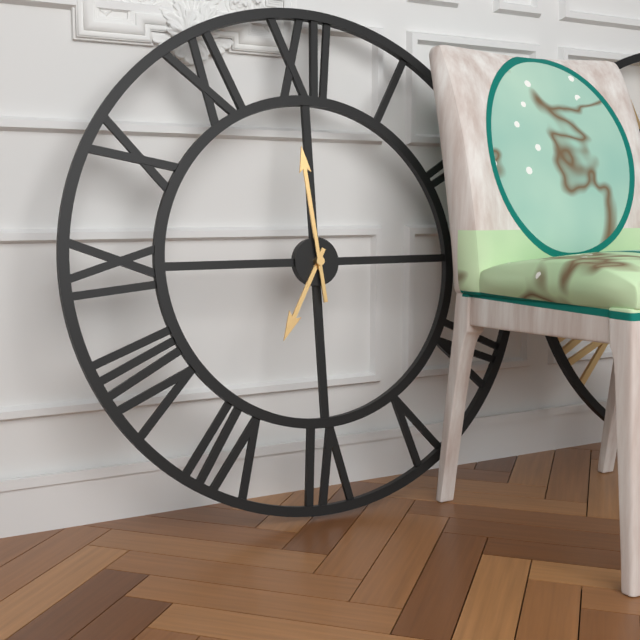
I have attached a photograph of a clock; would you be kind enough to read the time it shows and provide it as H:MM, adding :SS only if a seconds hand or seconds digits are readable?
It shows 6:59
